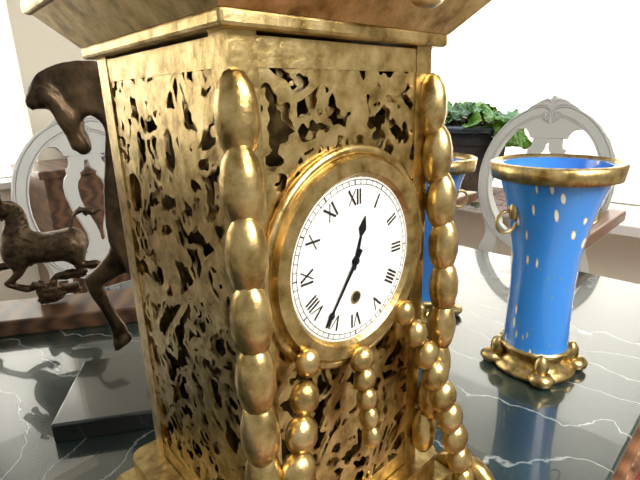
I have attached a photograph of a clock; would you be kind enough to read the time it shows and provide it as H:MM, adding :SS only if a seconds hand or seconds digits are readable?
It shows 12:36
